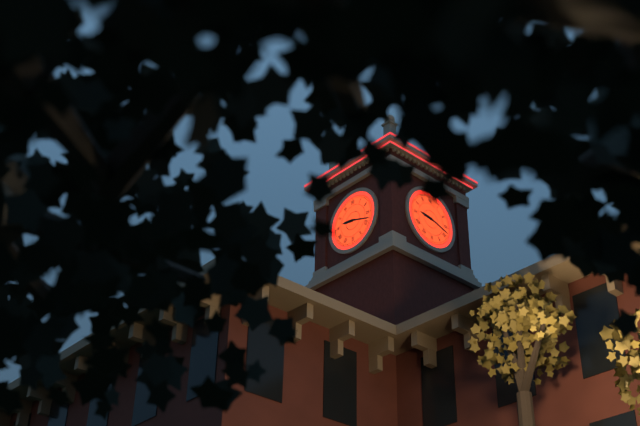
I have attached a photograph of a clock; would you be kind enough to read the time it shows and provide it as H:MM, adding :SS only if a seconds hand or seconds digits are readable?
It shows 9:18
